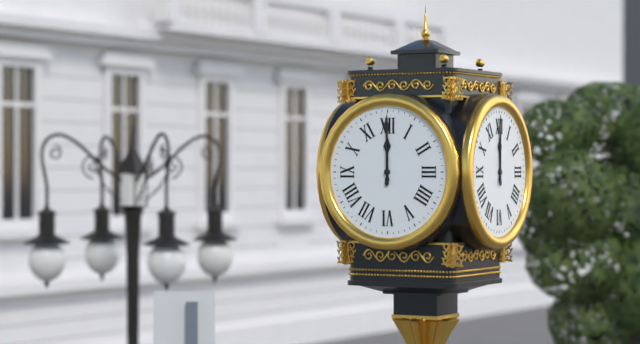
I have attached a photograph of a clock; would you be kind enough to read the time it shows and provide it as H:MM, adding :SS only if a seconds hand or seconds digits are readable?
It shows 12:00
